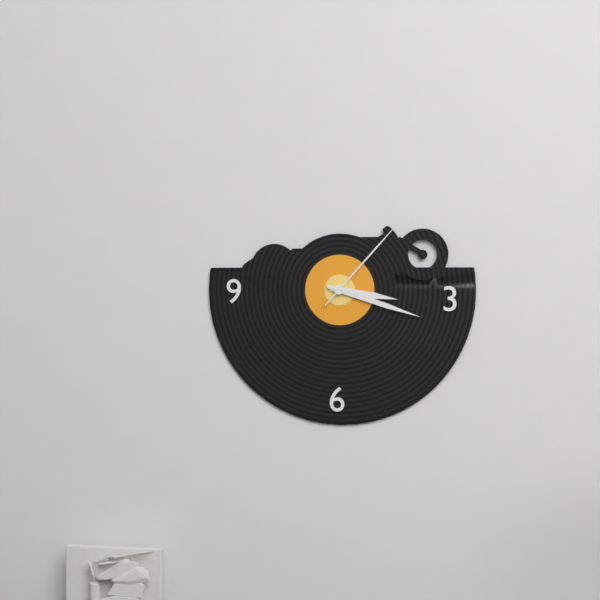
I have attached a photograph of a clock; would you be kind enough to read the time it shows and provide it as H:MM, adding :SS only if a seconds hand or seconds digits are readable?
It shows 3:18:07
